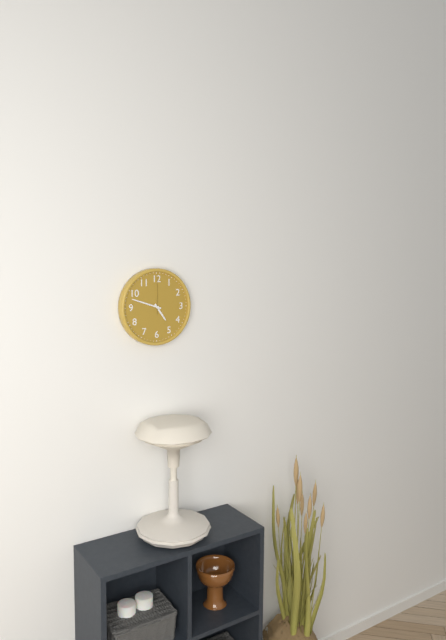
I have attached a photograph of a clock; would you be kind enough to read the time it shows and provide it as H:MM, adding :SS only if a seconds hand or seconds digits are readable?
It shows 4:48
